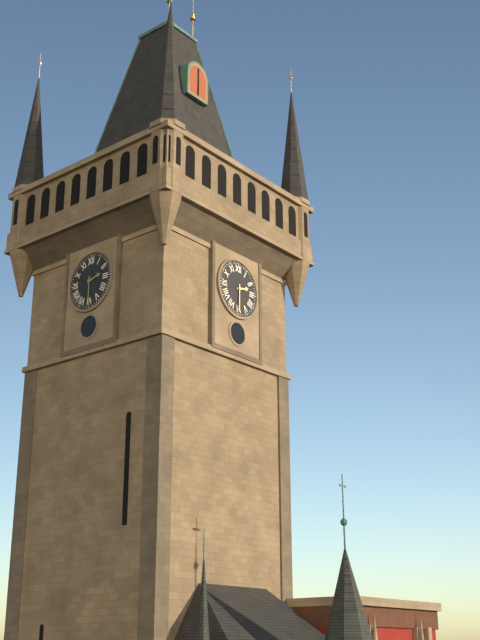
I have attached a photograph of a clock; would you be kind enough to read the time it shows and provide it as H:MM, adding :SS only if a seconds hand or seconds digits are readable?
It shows 2:30
